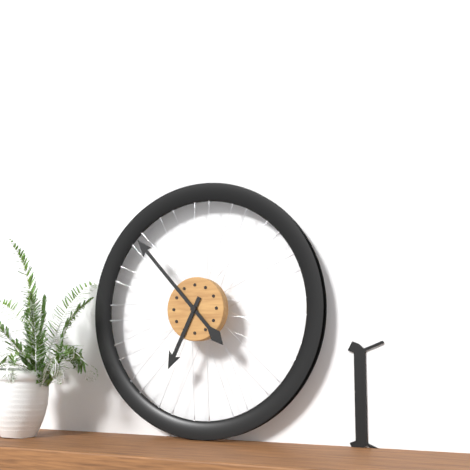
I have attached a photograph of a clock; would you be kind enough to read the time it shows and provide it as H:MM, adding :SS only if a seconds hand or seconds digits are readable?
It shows 6:53
